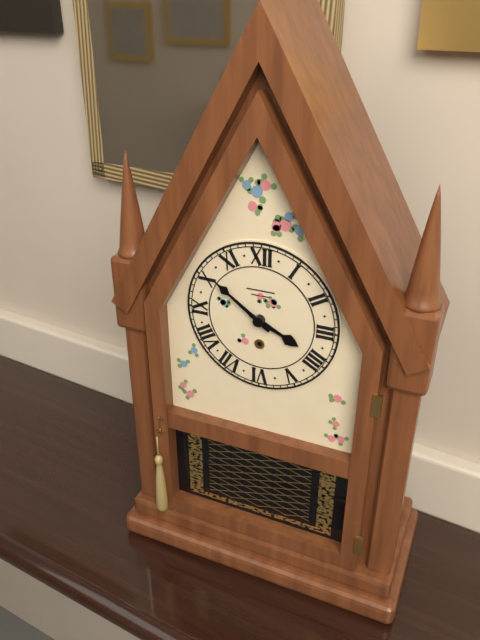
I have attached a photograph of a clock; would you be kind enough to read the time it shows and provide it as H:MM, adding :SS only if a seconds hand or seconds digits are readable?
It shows 3:51
